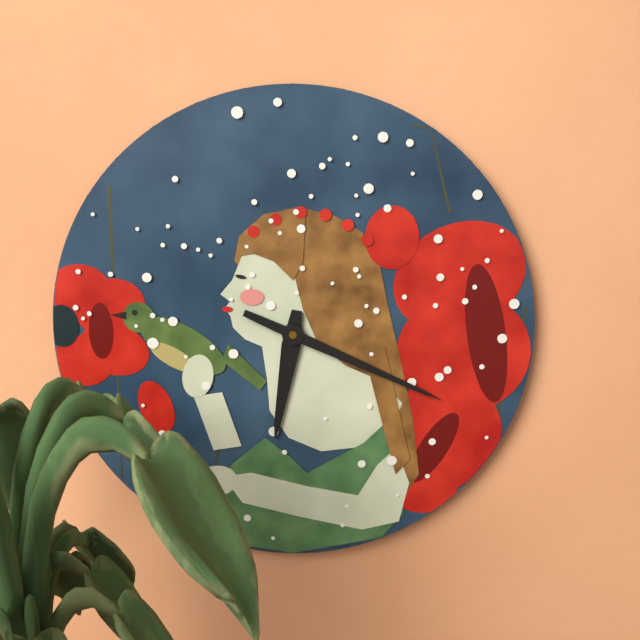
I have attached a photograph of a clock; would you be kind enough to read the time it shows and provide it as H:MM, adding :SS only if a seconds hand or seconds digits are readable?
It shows 6:19
